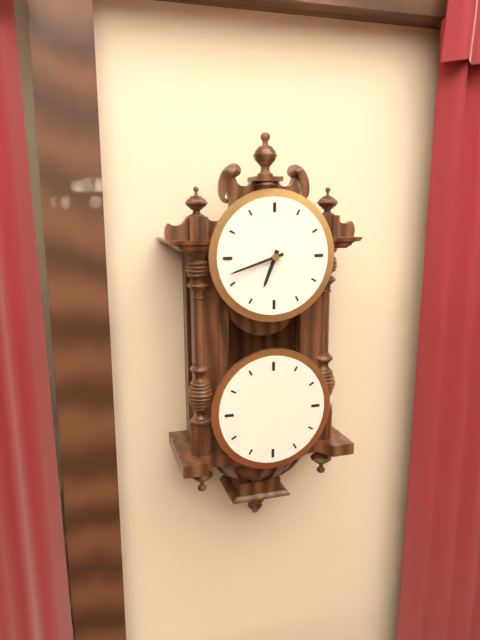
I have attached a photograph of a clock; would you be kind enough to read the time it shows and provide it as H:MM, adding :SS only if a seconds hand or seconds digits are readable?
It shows 6:42
